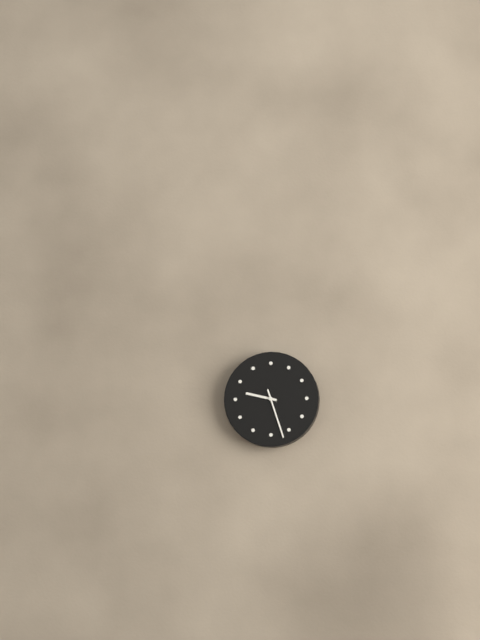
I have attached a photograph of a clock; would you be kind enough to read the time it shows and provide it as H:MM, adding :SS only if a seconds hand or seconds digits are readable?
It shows 9:27
